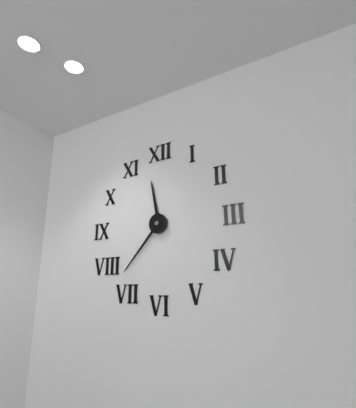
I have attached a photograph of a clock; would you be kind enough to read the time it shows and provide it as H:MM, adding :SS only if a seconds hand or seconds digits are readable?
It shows 11:37
